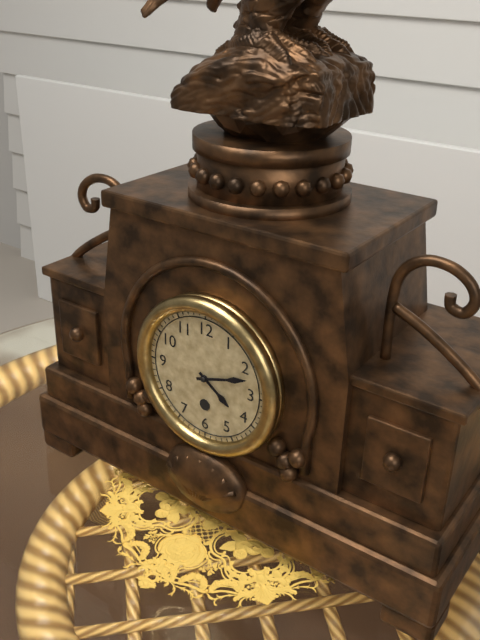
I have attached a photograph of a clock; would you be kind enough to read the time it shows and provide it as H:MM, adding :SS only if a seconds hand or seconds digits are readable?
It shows 4:12
